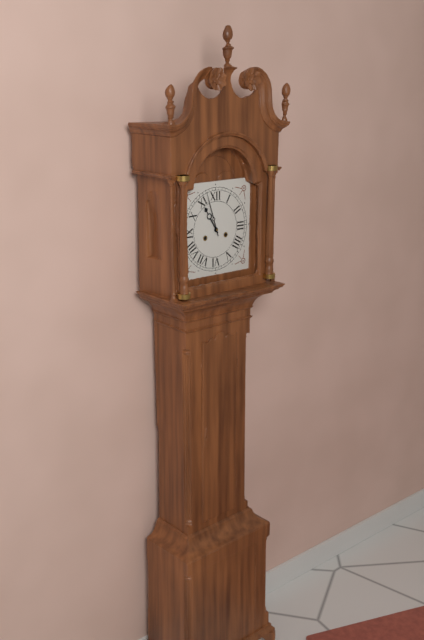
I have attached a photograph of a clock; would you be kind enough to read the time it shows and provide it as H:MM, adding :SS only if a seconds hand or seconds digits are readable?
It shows 10:57
